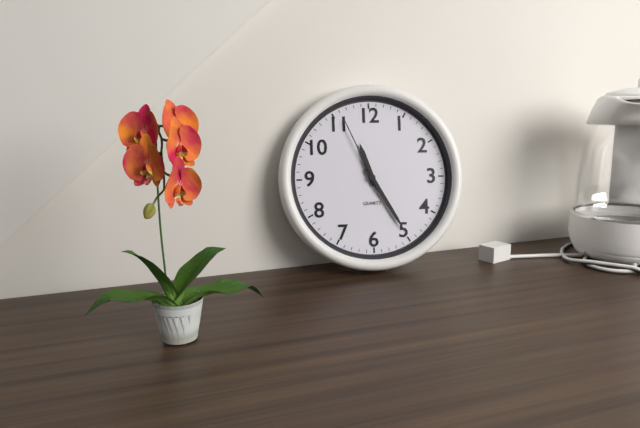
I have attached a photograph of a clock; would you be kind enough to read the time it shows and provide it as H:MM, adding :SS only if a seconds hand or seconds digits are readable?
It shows 11:25:56
